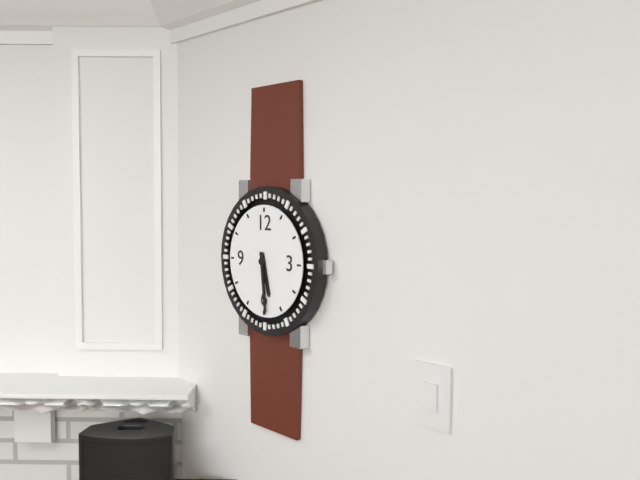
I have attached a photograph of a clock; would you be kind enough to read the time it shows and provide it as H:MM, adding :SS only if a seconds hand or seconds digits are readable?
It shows 5:29
